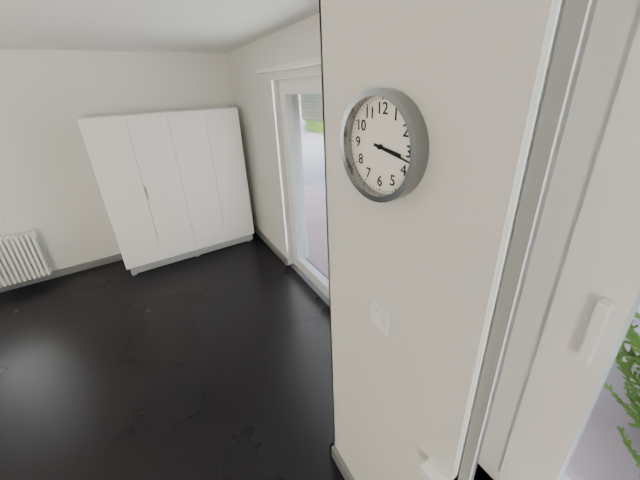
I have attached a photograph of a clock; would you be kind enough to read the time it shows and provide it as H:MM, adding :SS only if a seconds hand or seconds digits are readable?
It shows 3:17
